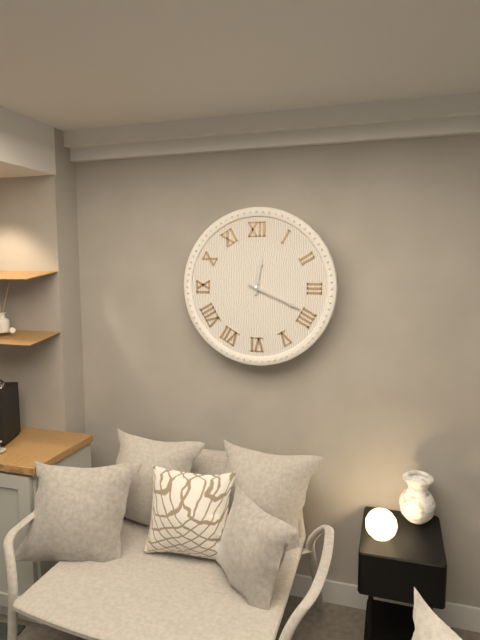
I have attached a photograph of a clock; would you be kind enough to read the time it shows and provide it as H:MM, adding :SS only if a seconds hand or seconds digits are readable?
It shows 12:19
